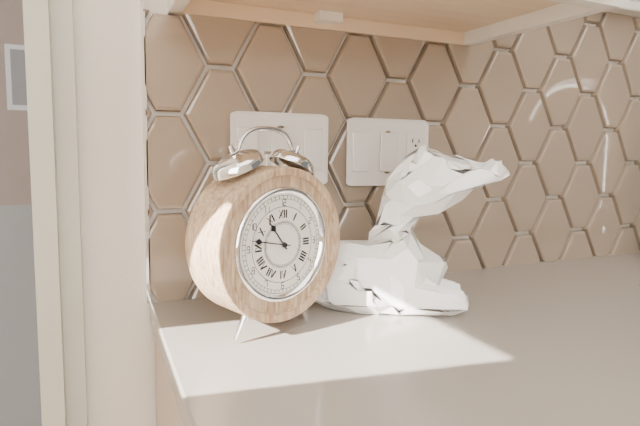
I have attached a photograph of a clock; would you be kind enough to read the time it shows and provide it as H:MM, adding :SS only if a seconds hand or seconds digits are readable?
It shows 10:47
